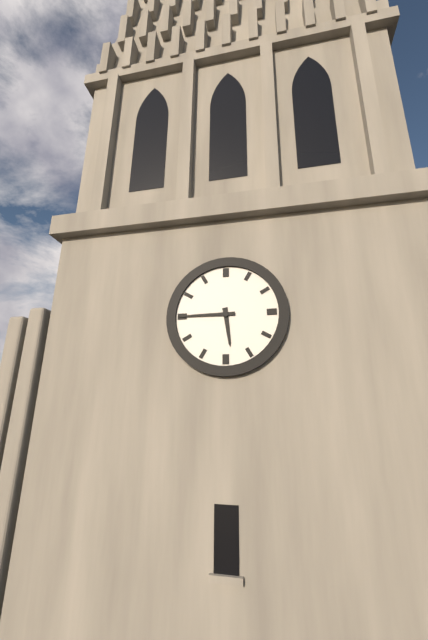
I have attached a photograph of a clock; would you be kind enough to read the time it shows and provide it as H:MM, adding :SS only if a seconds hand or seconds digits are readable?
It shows 5:45
